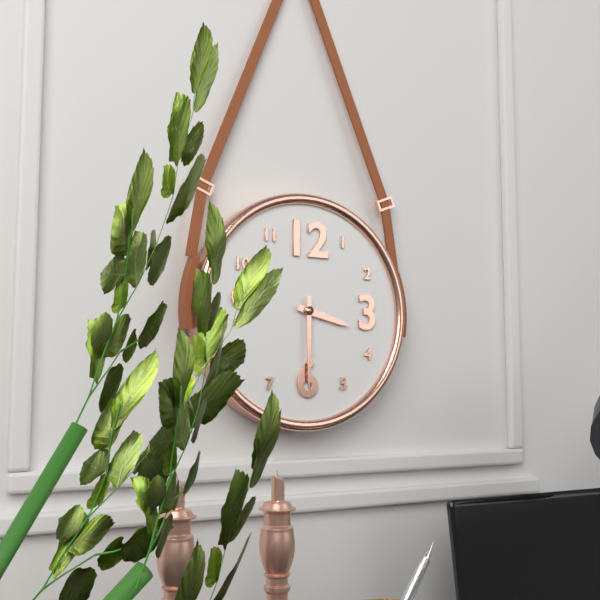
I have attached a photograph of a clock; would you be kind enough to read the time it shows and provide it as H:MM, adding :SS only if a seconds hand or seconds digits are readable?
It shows 3:30
